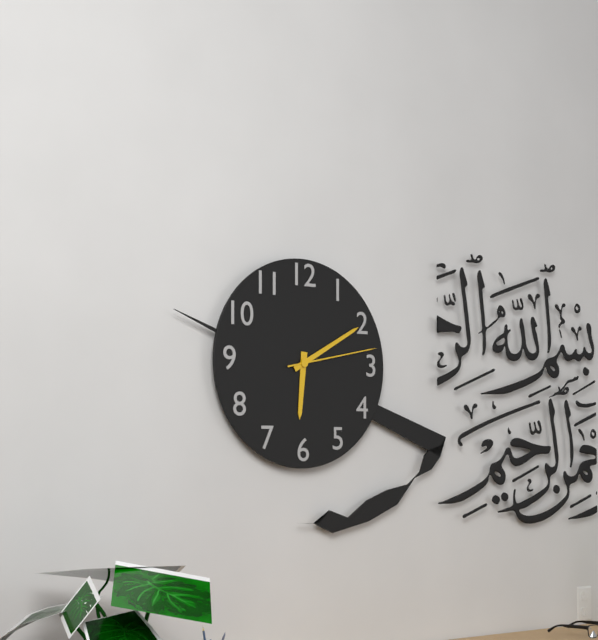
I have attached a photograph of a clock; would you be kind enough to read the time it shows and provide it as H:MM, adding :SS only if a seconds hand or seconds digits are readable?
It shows 6:10:13
